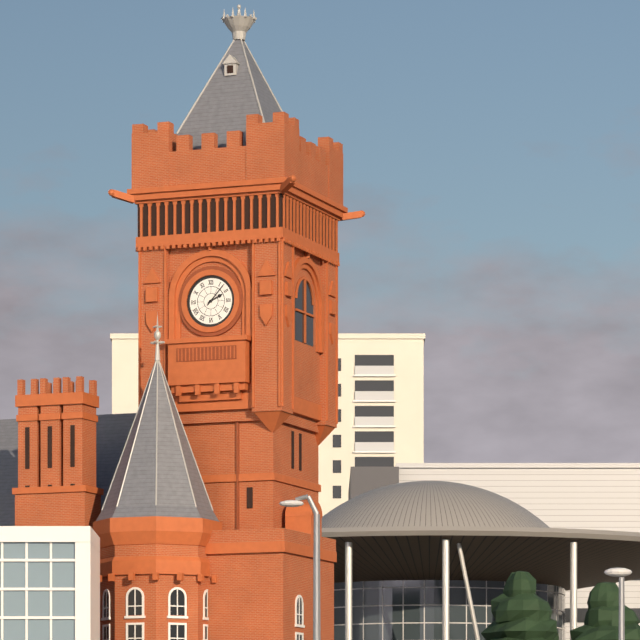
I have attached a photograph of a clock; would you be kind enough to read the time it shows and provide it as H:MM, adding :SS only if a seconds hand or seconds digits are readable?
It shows 2:07
